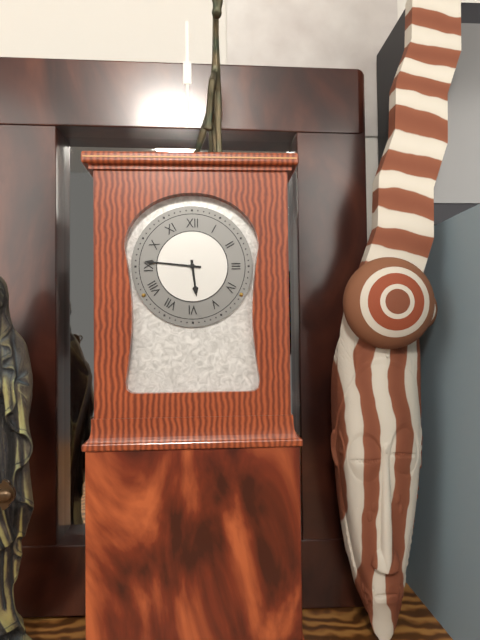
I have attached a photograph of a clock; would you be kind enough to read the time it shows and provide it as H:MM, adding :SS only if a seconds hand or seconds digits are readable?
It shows 5:46
